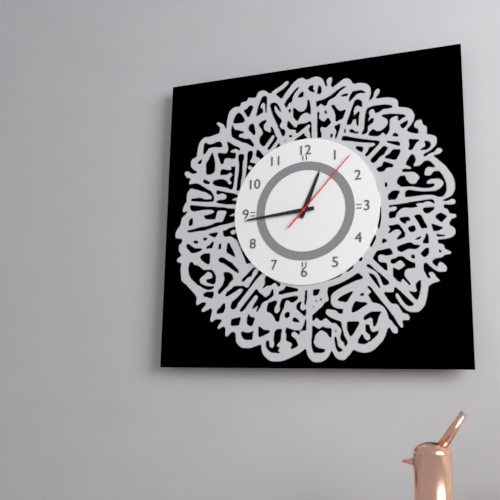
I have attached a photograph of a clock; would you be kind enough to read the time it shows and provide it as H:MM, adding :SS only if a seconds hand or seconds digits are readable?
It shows 12:44:07
